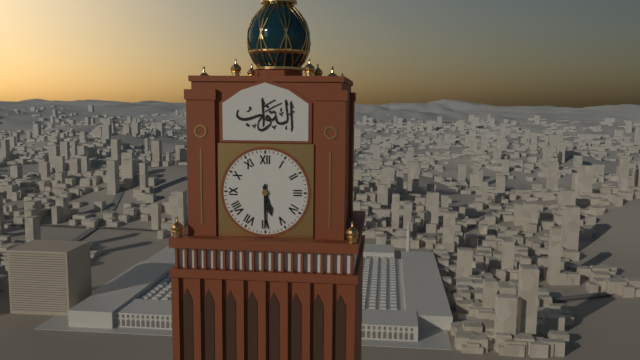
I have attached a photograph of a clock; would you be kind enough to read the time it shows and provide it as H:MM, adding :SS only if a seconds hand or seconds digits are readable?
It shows 5:30
